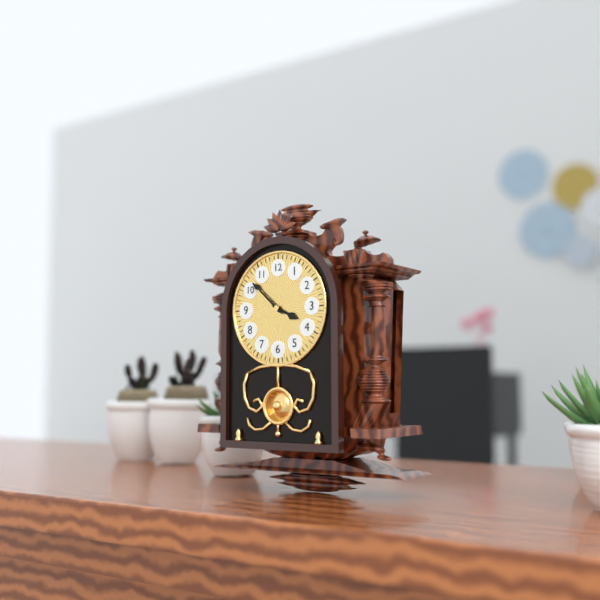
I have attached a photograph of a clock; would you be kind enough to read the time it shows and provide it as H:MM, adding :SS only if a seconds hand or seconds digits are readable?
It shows 3:52
